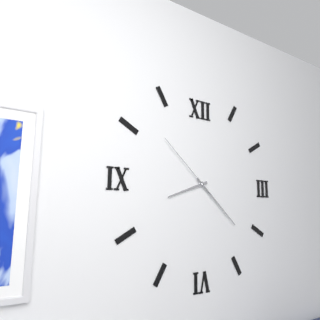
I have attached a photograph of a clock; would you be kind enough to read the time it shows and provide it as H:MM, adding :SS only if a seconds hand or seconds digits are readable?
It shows 8:22:52
